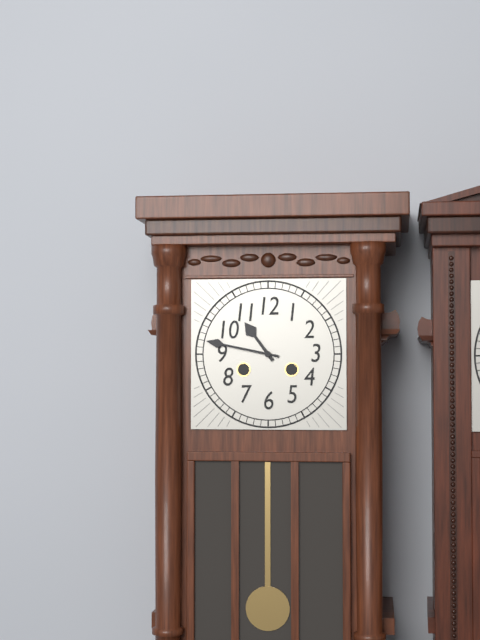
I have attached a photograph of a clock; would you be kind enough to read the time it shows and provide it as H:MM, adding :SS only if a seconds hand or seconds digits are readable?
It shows 10:47
